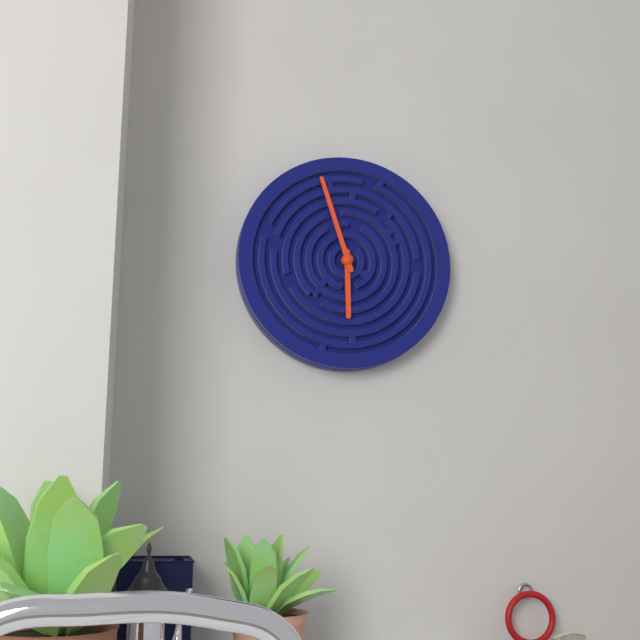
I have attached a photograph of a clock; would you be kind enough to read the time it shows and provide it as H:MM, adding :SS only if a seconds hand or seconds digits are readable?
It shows 5:57
